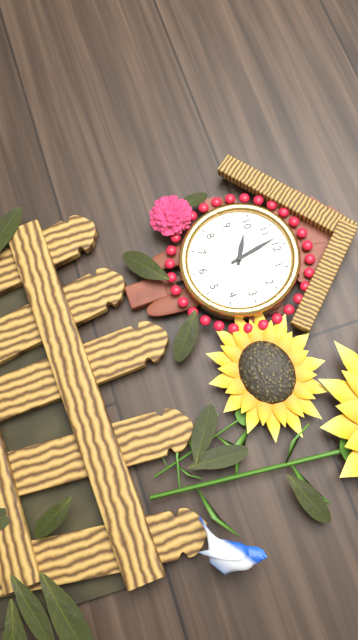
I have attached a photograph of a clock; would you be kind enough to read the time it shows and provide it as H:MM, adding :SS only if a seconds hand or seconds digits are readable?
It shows 9:58
